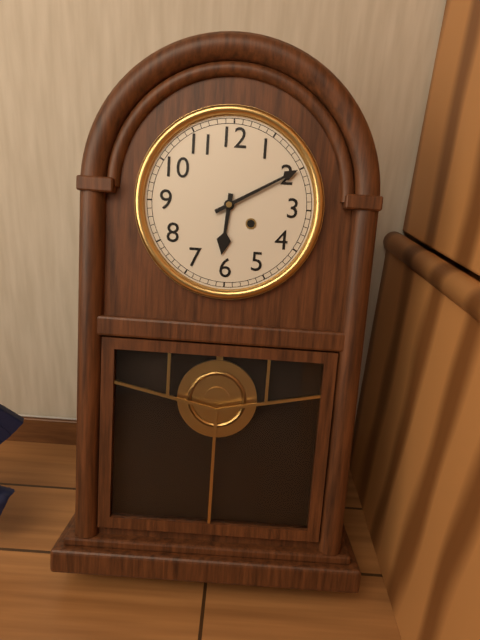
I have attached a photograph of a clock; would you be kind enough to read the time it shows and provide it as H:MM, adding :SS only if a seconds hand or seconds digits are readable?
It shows 6:10
